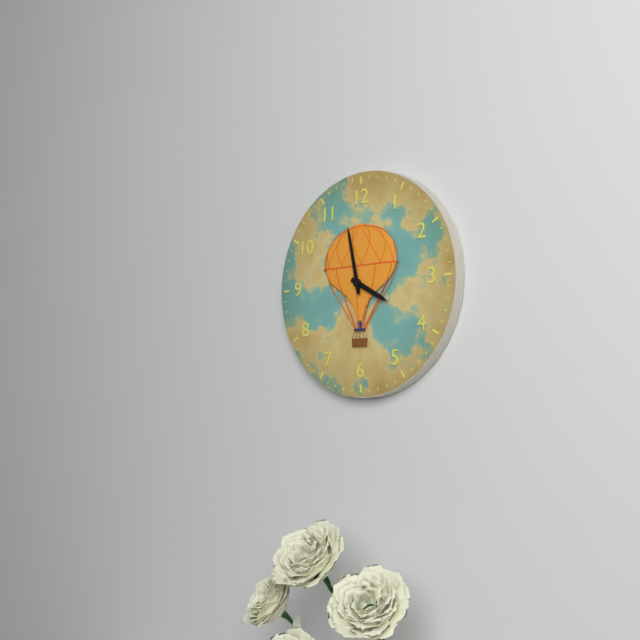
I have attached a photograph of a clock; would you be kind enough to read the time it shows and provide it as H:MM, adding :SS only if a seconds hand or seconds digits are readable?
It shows 3:58
